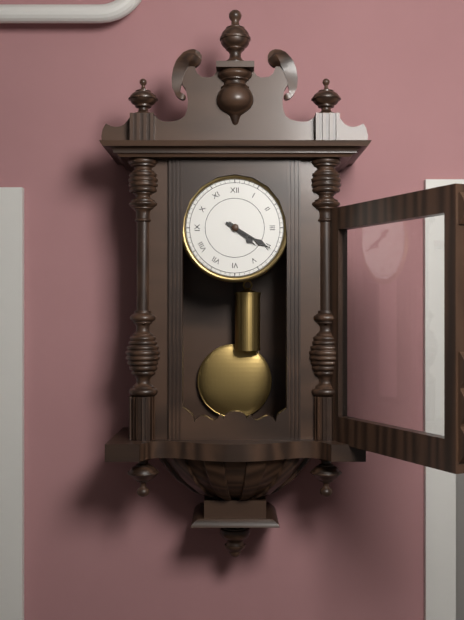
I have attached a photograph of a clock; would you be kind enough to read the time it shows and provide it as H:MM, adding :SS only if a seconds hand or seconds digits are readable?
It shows 4:20
